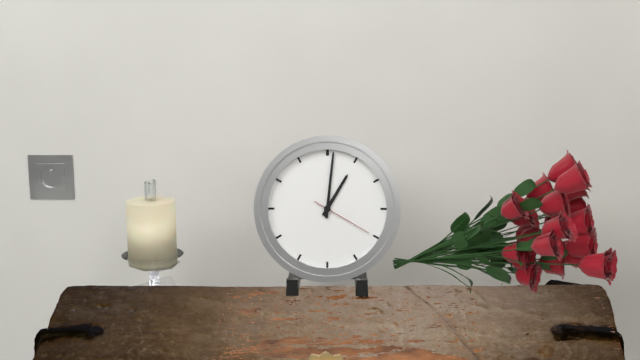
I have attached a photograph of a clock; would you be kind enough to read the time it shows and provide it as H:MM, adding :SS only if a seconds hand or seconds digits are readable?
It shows 1:01:20
